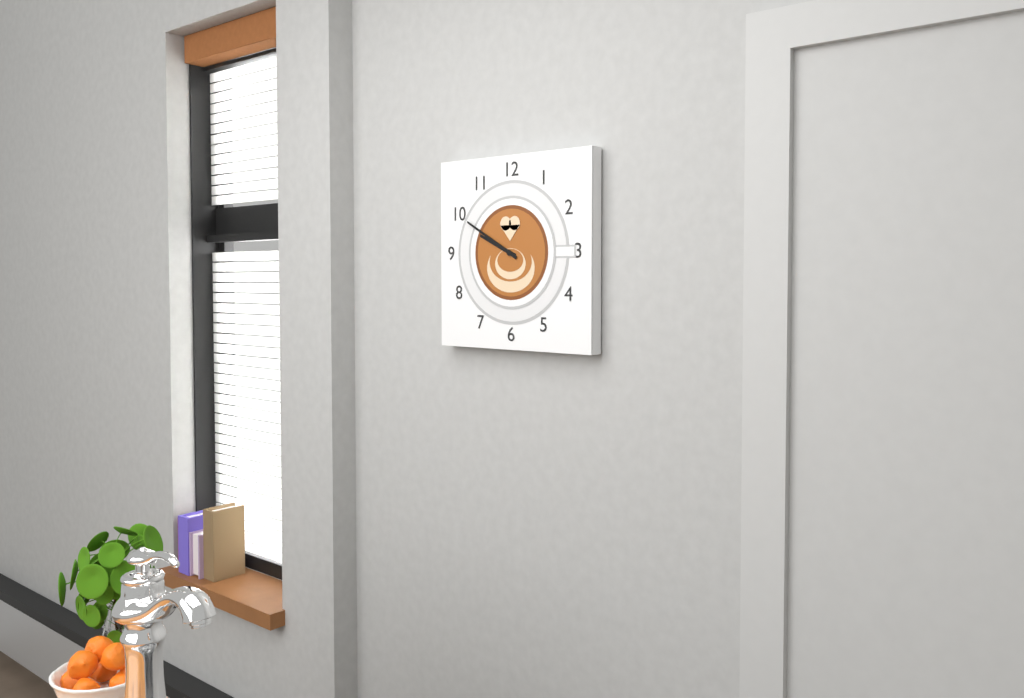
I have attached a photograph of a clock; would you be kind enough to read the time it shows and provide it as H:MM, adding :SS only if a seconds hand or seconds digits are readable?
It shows 9:50
